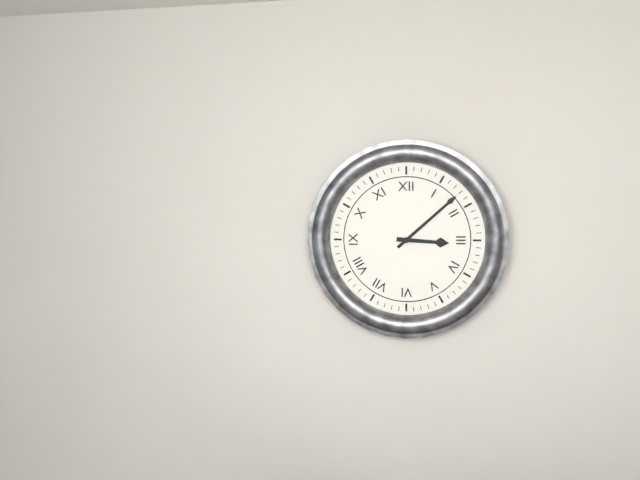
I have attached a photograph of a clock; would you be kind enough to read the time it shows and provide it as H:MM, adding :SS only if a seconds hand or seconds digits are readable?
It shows 3:08
